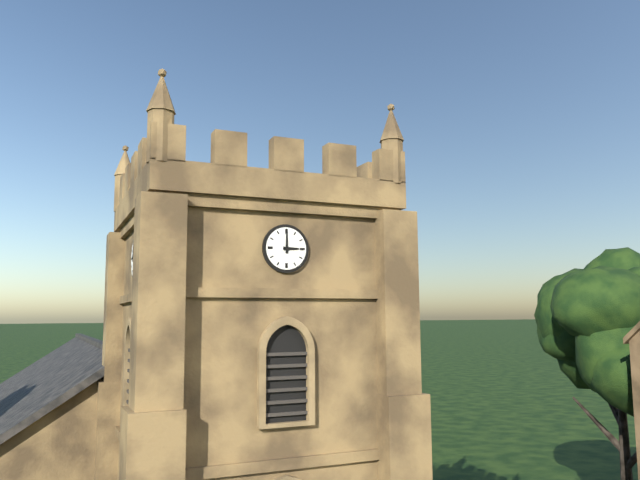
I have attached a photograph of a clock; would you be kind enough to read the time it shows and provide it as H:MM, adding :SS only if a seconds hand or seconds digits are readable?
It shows 3:00
